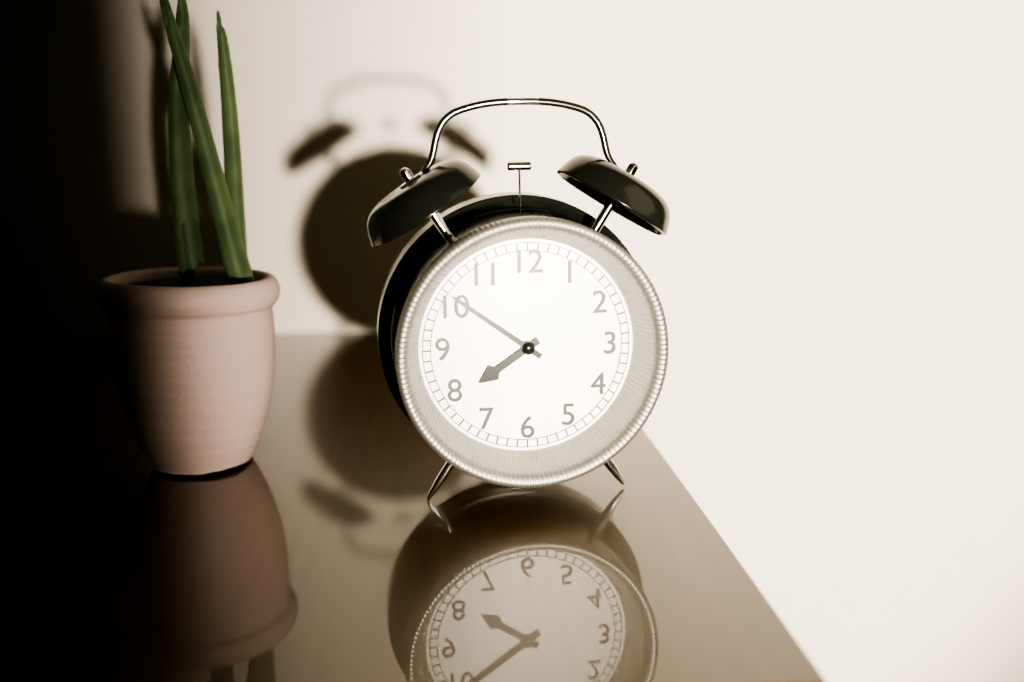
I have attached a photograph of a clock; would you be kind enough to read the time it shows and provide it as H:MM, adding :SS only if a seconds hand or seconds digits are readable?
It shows 7:51
